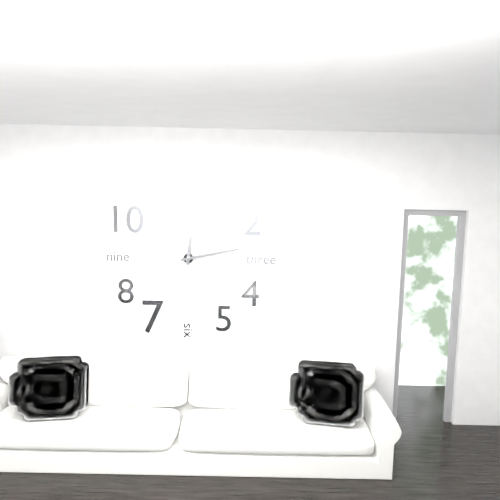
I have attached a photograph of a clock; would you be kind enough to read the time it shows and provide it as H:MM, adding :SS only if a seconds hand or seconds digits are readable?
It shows 12:13
